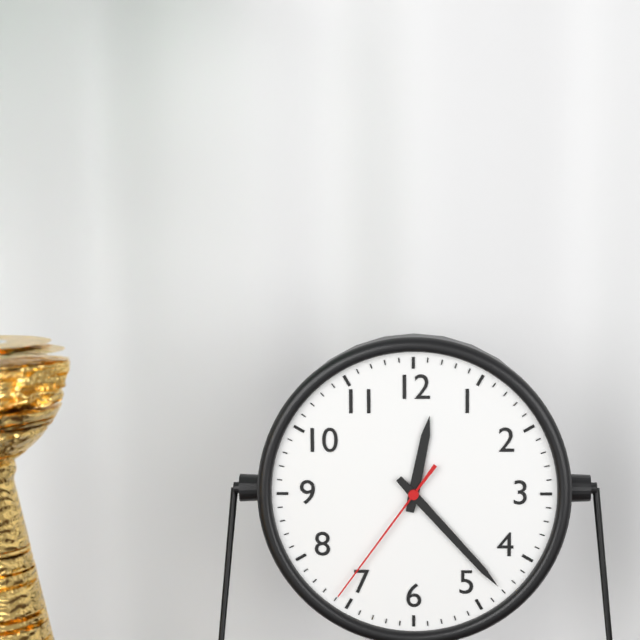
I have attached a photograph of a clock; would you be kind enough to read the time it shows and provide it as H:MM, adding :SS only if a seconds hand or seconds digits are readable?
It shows 12:23:36
